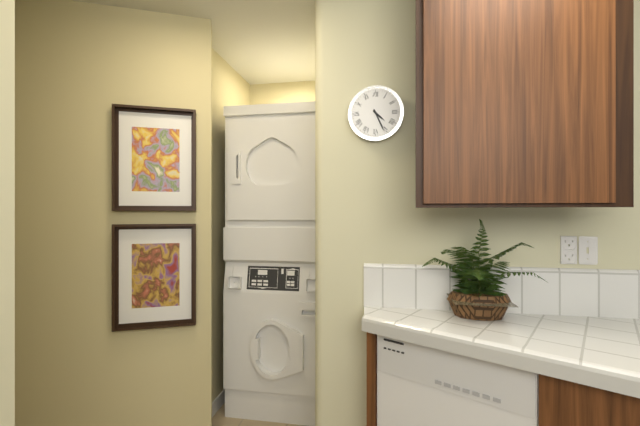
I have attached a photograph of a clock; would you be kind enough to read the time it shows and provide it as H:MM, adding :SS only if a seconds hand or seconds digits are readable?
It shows 4:26
